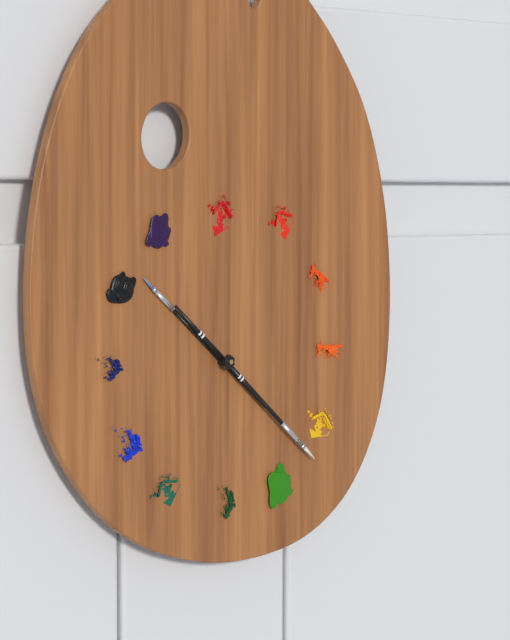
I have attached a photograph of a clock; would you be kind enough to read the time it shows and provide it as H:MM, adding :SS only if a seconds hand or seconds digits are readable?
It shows 10:22
